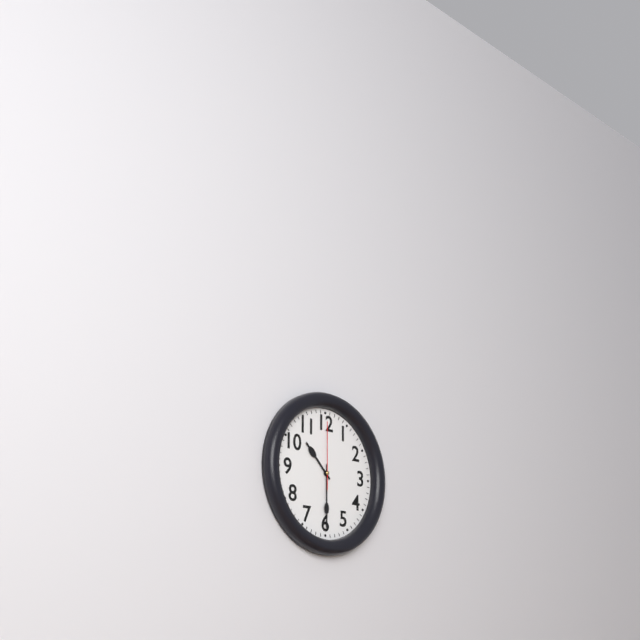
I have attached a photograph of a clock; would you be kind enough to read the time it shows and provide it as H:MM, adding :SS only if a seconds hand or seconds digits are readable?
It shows 10:30:00
